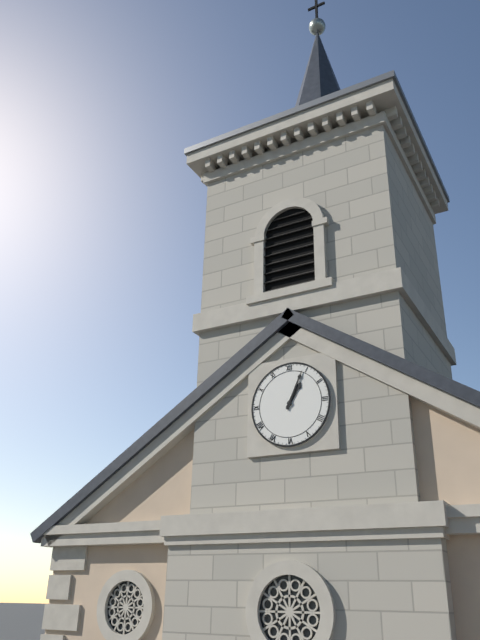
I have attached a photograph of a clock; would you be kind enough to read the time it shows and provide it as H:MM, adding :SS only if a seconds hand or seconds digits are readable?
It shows 1:04
